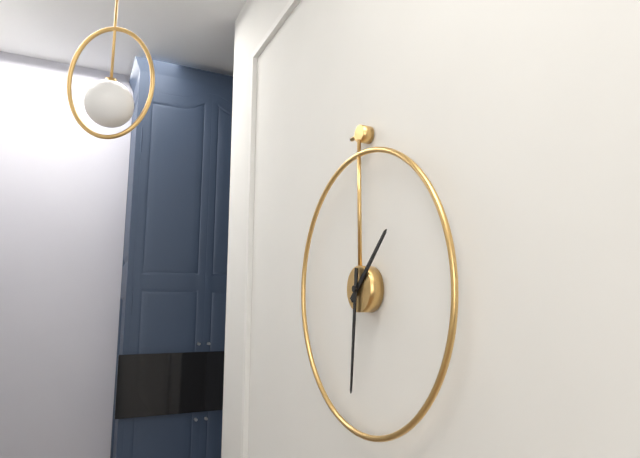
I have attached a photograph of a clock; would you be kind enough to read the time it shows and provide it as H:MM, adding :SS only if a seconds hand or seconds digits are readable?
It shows 1:31
